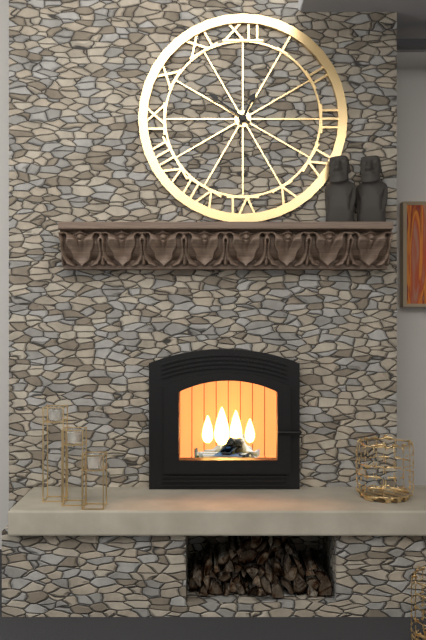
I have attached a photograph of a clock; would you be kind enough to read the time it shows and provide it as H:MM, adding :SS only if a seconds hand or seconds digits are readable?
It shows 12:51
